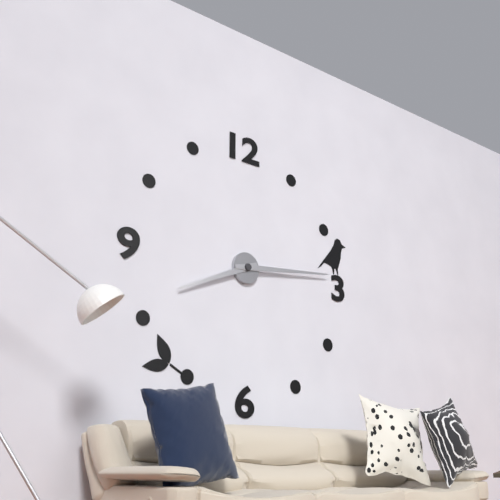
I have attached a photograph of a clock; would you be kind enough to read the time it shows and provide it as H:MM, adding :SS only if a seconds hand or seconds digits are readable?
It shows 8:14
